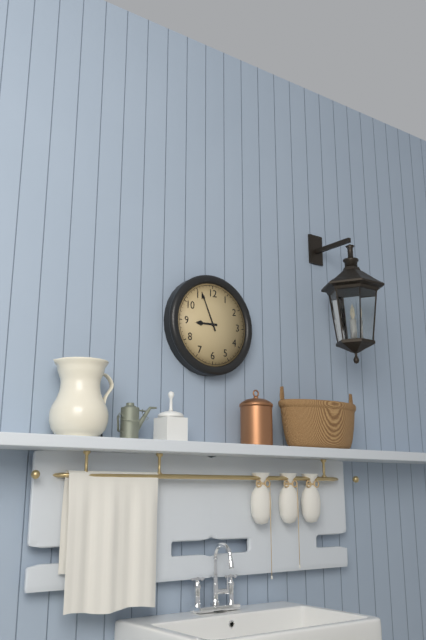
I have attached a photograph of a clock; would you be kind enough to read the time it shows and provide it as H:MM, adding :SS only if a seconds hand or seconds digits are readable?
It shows 8:56
